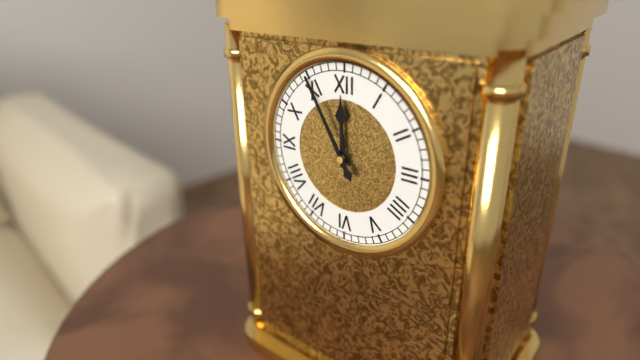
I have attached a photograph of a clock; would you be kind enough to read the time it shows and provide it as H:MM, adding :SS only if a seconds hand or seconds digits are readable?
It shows 11:55
